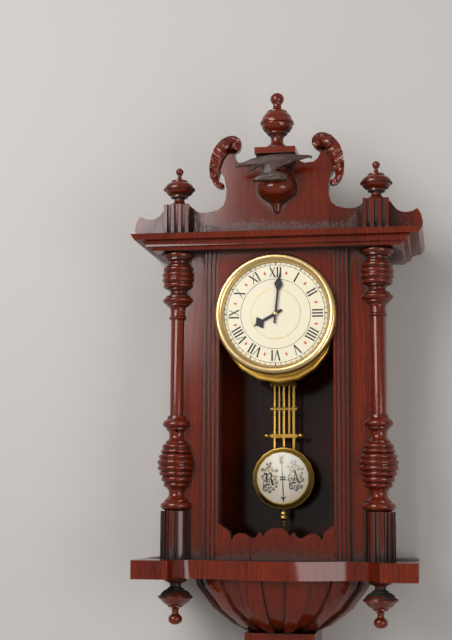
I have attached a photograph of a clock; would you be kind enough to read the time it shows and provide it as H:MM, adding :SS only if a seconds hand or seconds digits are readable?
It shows 8:01
